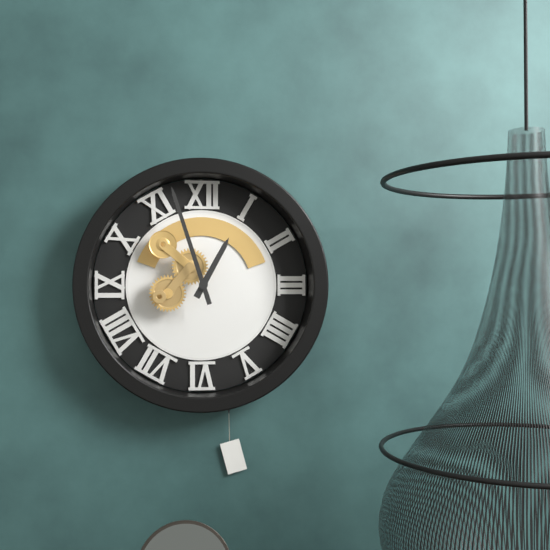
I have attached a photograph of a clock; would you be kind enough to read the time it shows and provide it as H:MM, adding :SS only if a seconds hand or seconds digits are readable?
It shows 12:57
